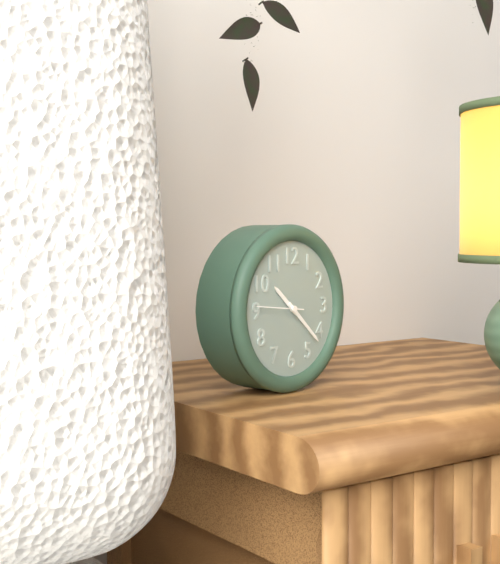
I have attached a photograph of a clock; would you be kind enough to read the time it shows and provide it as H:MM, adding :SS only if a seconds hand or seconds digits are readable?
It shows 10:22
